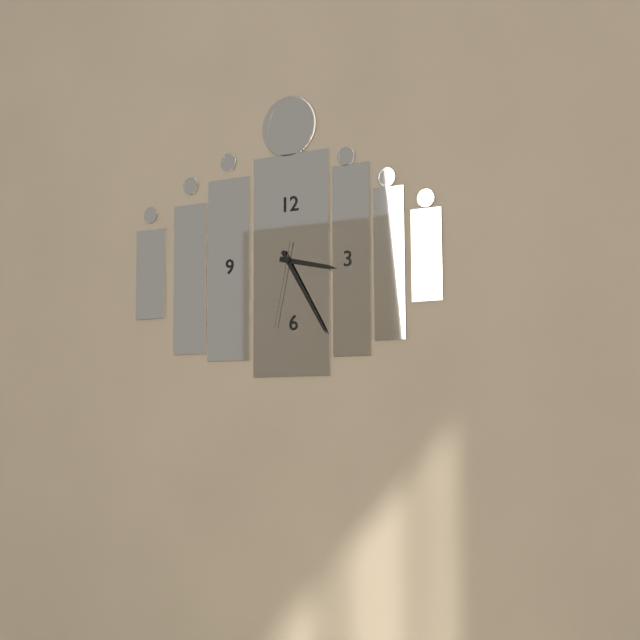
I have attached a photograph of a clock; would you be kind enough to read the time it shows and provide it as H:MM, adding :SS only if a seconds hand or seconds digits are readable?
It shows 3:25:32
